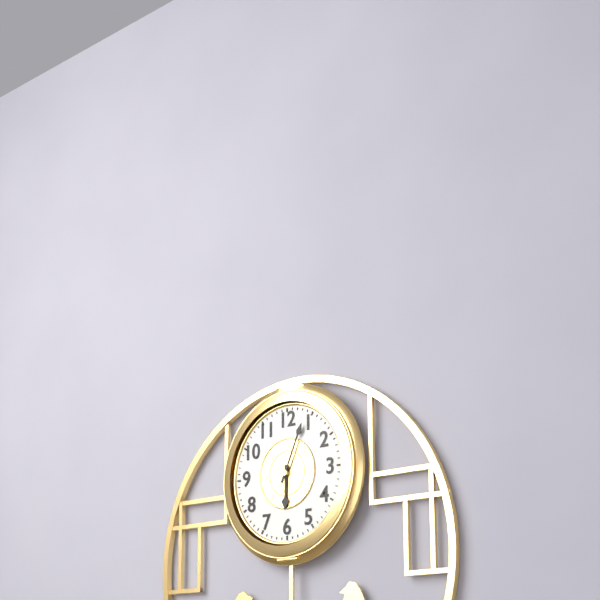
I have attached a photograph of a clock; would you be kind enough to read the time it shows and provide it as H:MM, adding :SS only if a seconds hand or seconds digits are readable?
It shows 6:04
